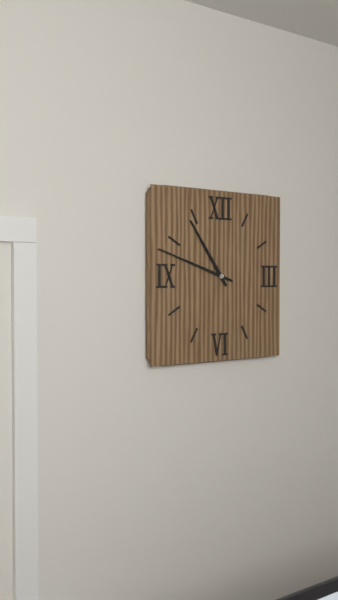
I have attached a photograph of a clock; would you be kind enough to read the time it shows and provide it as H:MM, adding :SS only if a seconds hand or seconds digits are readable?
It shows 10:48
